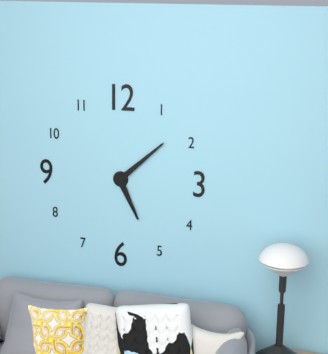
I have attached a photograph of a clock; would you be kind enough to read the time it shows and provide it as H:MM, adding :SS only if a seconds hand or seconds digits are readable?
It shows 5:08
